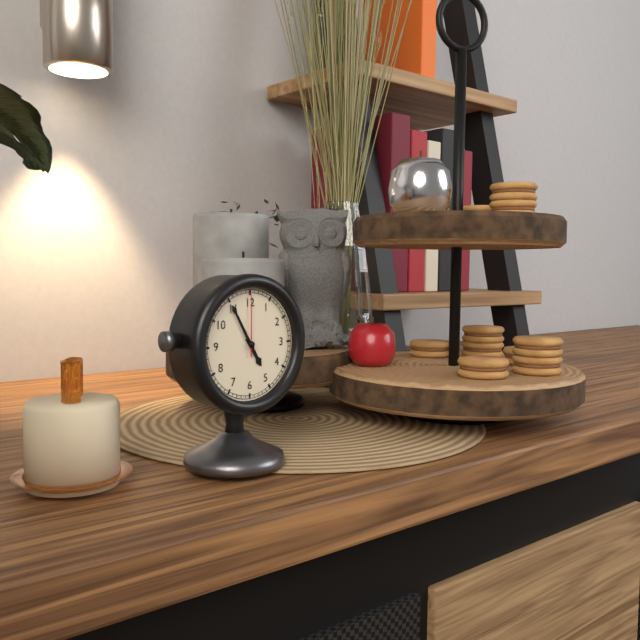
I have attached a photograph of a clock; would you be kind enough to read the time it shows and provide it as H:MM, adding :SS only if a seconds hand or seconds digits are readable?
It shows 4:55:00
